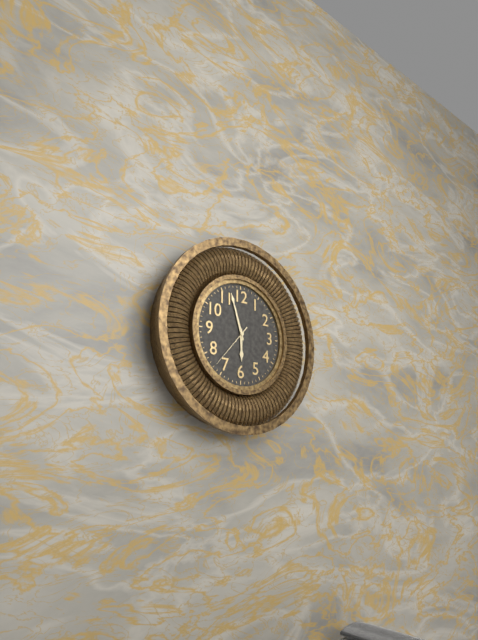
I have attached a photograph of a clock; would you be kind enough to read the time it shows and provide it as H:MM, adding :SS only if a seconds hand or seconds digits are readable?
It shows 5:57
